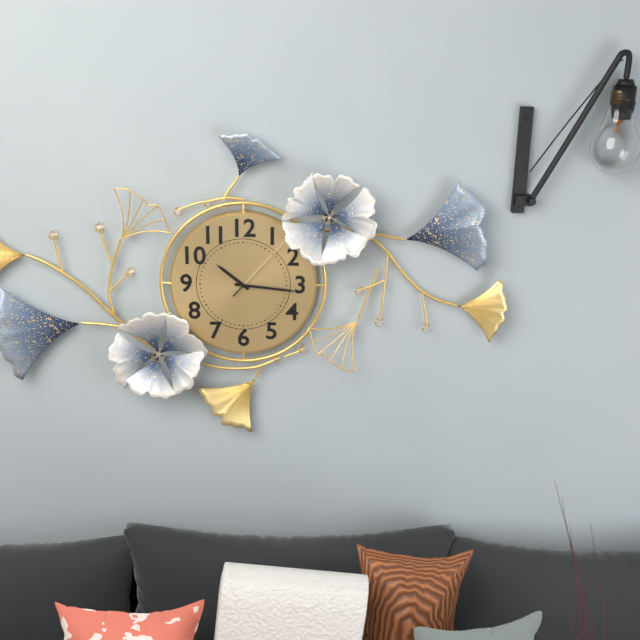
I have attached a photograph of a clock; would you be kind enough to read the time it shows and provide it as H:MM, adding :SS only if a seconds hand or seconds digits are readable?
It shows 10:16:07
